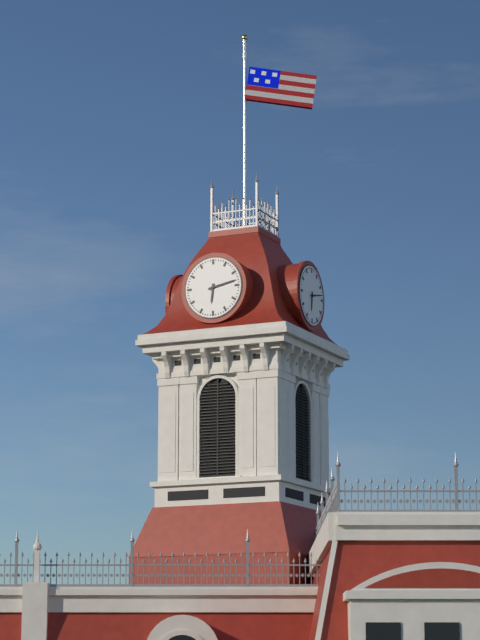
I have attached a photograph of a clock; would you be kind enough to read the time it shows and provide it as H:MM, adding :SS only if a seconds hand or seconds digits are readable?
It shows 6:13
